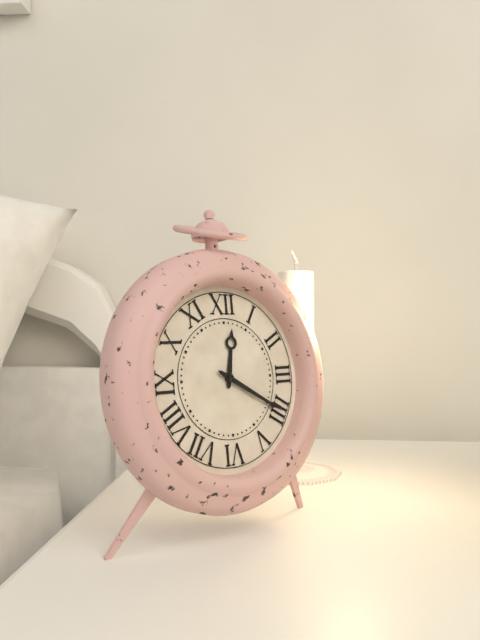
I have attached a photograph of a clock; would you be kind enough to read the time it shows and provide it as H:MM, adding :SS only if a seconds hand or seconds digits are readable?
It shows 12:20
